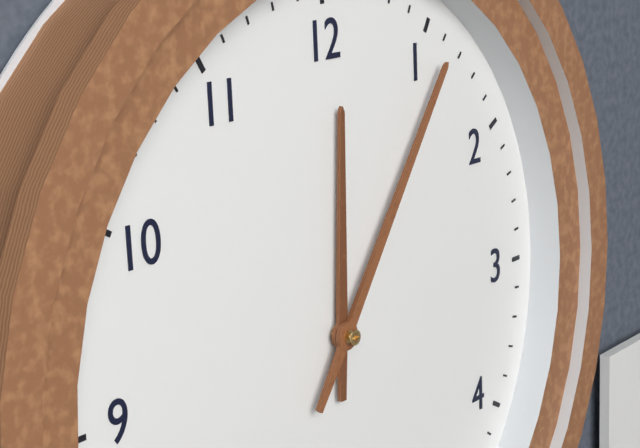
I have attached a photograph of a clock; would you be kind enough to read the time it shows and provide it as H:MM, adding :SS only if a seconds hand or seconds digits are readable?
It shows 12:06
